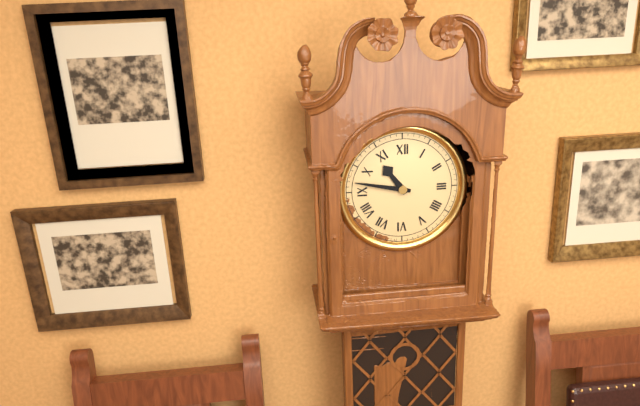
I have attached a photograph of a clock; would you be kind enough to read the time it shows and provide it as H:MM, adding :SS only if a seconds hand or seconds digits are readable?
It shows 10:47
